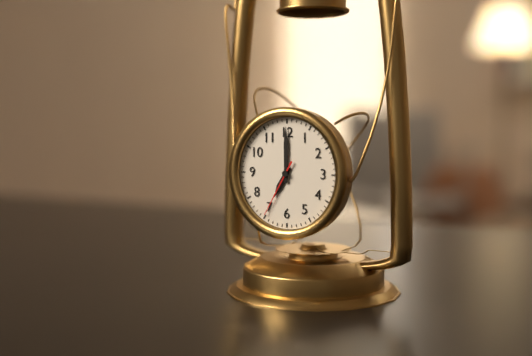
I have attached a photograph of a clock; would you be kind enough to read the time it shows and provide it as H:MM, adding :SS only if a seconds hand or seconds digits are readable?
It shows 7:00:35
